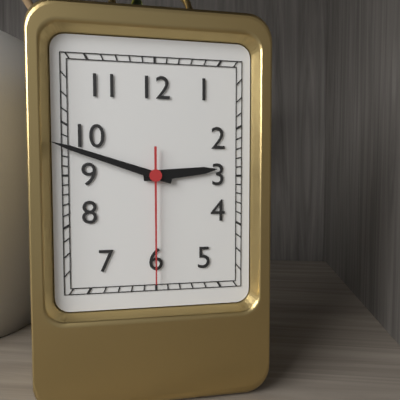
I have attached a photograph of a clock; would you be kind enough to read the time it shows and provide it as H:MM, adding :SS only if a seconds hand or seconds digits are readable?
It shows 2:48:30
